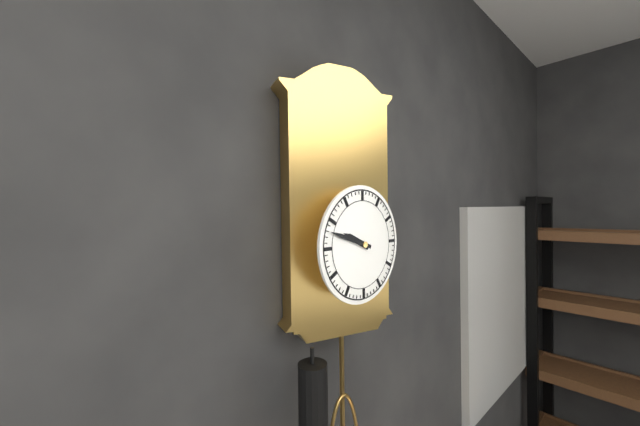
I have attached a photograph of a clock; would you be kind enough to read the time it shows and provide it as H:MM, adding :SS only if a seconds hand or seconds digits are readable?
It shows 9:48
